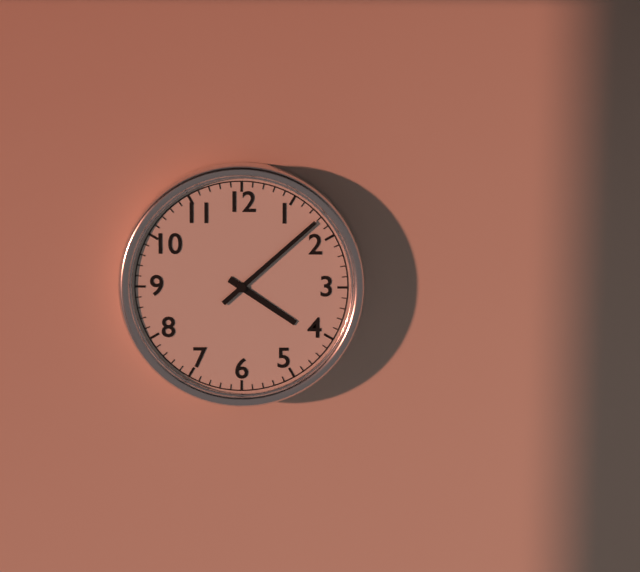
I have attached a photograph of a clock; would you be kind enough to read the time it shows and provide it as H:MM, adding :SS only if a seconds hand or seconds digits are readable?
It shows 4:08
